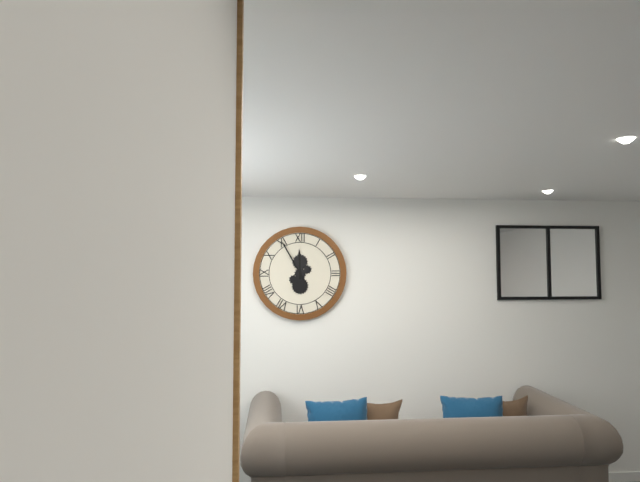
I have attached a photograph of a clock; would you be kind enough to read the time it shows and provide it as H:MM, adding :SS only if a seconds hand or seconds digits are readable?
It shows 11:55
